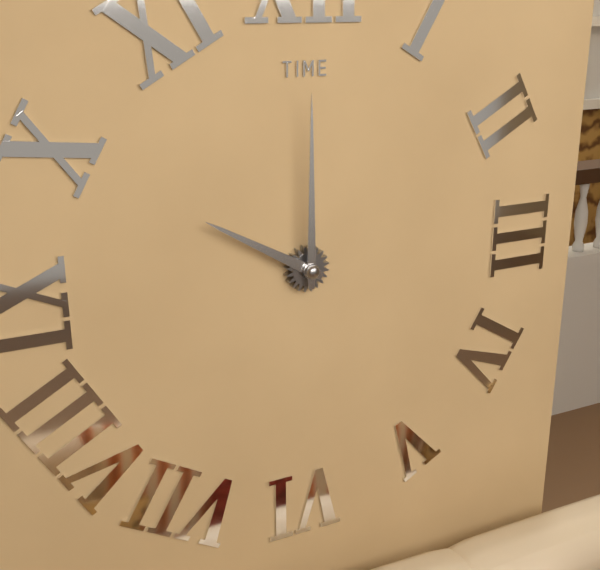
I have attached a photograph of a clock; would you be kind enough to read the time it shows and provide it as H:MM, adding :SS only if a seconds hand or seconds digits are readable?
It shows 10:00
